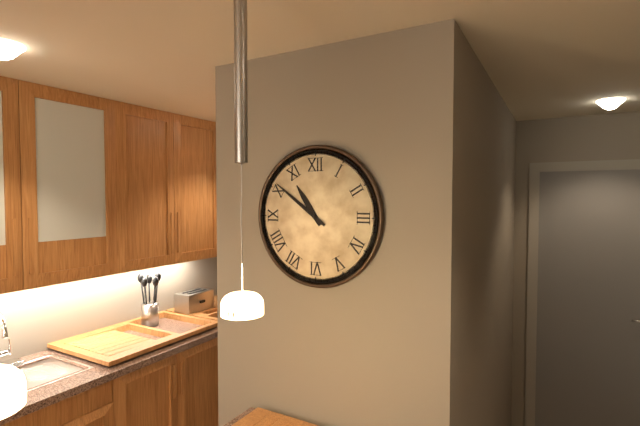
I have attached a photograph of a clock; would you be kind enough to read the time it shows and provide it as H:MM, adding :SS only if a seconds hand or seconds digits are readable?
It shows 10:51
